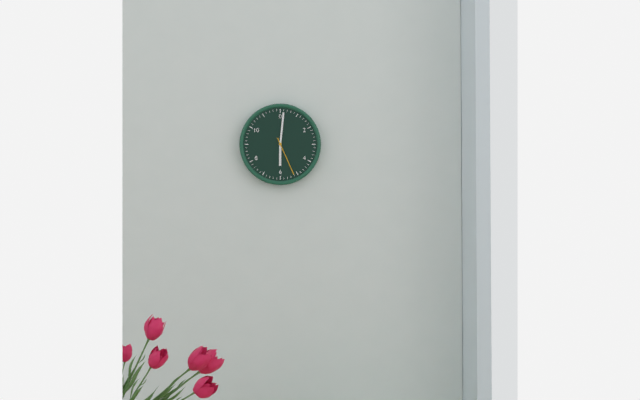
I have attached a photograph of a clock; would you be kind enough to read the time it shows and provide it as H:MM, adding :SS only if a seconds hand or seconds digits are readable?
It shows 6:01
